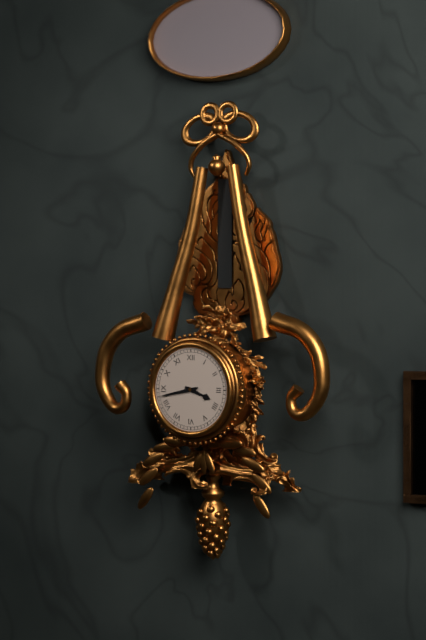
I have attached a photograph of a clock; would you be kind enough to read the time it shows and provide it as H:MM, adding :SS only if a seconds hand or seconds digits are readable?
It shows 3:43
